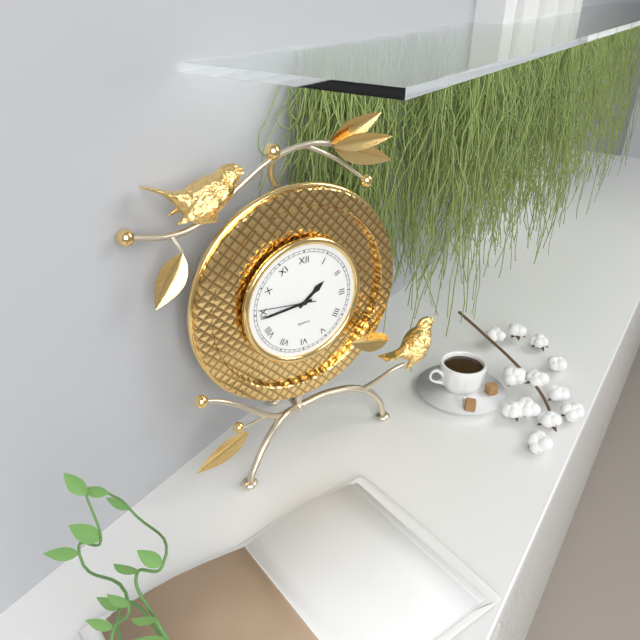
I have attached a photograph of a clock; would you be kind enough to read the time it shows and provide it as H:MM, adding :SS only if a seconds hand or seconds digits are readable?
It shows 1:44:46
